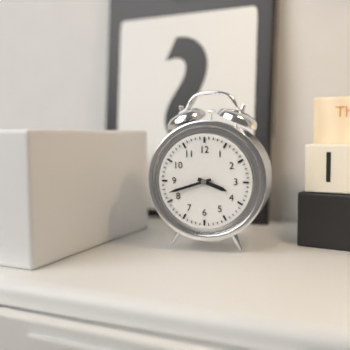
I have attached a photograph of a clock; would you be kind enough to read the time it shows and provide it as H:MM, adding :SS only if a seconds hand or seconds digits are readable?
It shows 3:42
